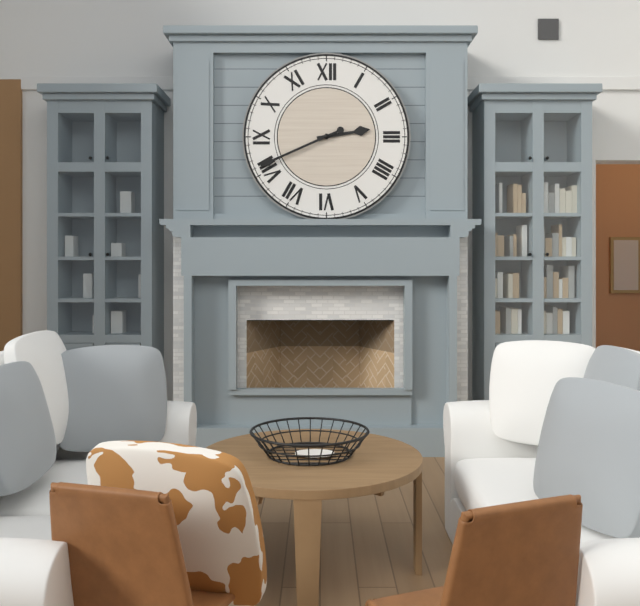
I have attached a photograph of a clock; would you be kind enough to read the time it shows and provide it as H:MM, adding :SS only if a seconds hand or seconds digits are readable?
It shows 2:41
